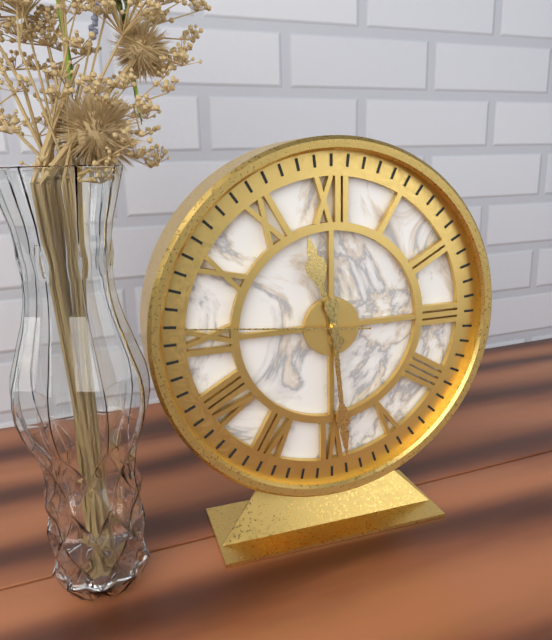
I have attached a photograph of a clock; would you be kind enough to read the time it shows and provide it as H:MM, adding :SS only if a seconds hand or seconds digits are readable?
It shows 11:29:46
